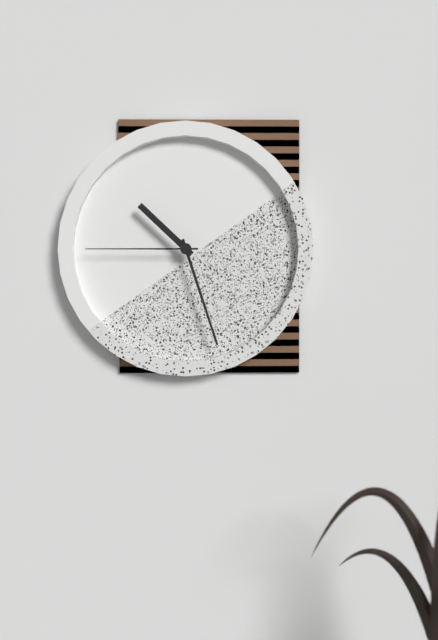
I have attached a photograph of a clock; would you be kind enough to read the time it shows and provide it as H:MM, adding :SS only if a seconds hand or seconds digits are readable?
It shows 10:27:45
